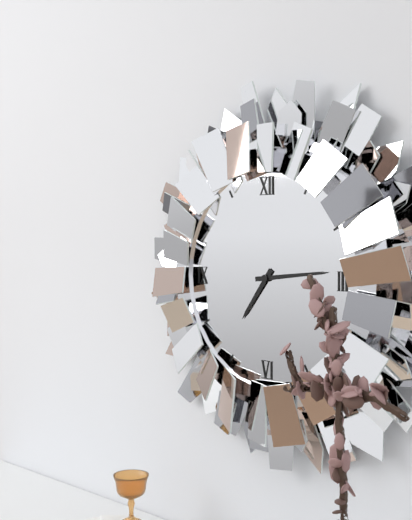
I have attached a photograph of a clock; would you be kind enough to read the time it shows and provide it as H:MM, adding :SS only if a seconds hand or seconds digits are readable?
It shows 7:14
